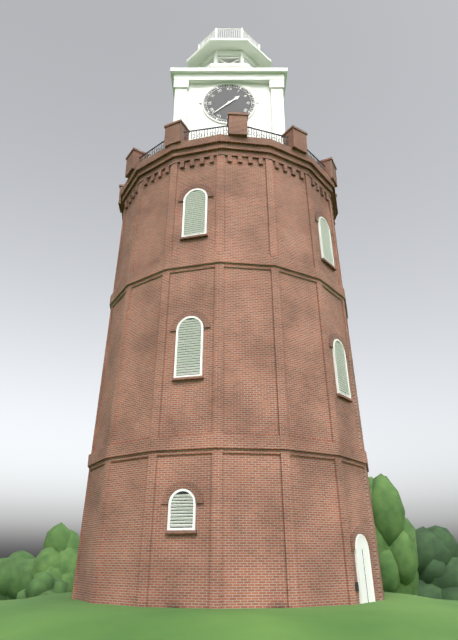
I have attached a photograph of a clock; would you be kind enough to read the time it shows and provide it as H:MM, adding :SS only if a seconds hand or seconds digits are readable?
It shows 1:38
